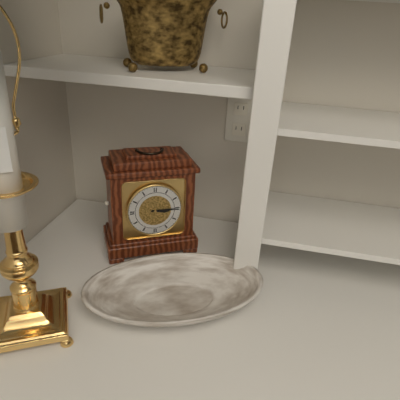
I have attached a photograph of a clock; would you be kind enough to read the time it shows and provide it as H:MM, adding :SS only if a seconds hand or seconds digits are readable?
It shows 3:15
